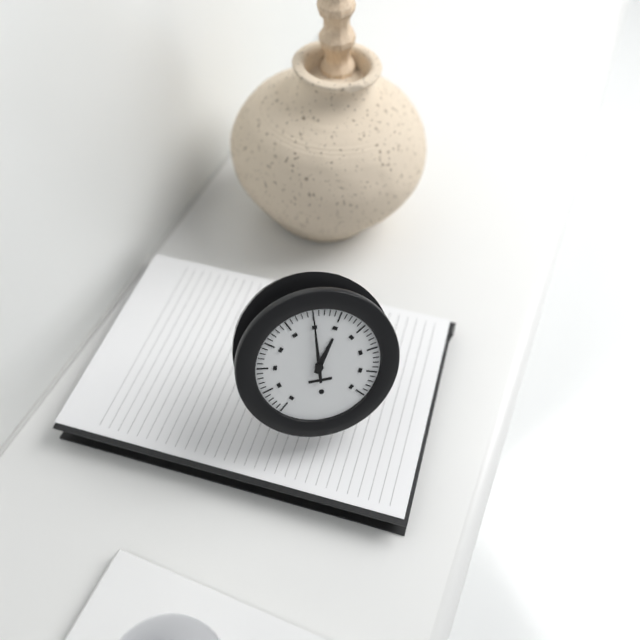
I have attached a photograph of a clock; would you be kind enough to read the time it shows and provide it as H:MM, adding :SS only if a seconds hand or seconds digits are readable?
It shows 1:00
